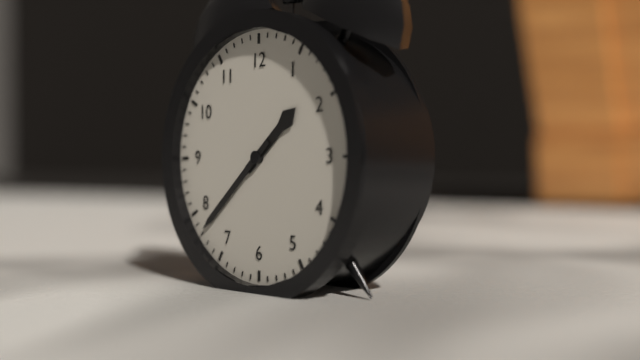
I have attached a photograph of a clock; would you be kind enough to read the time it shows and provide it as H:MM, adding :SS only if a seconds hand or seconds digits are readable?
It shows 1:38
